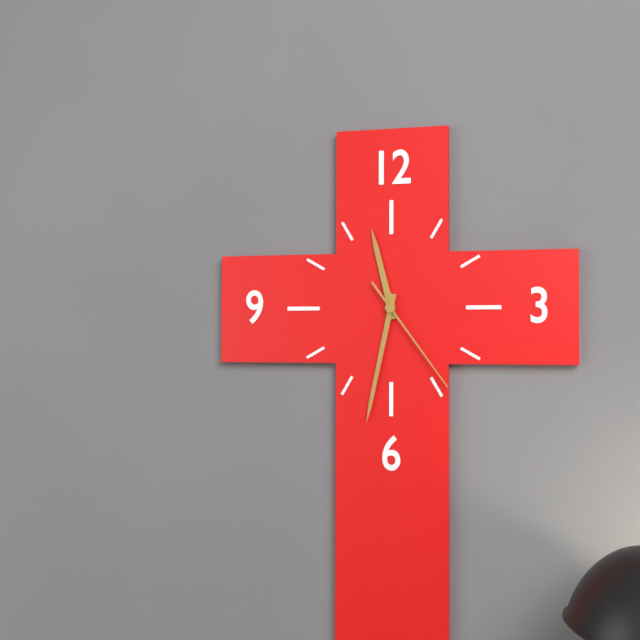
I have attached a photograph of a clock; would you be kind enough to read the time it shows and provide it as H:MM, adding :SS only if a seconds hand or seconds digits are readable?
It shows 11:32:24
